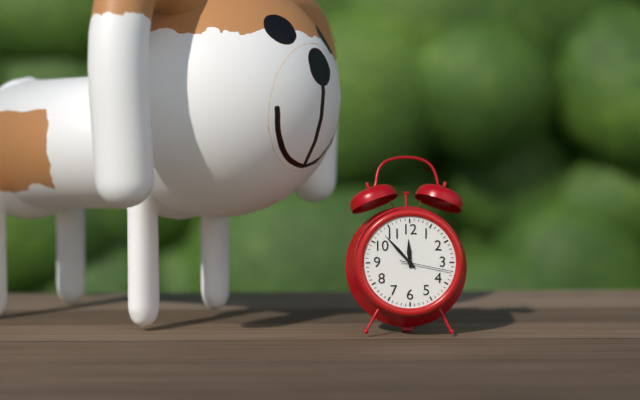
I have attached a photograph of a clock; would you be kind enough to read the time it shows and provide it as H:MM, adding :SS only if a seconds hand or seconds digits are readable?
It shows 11:53:17
